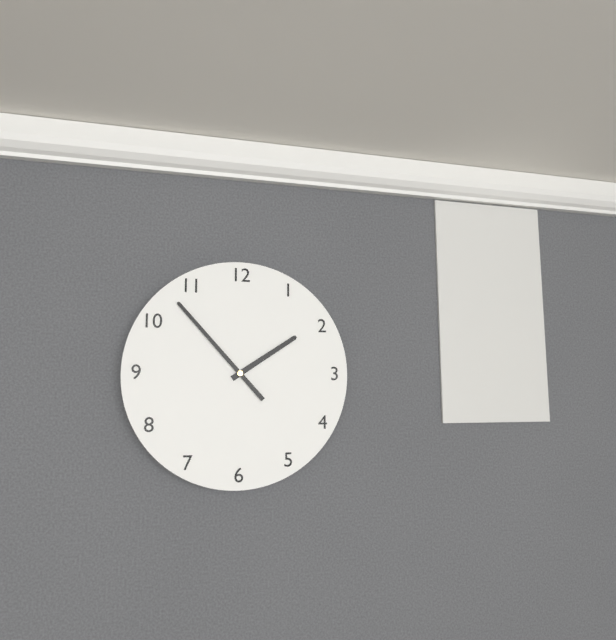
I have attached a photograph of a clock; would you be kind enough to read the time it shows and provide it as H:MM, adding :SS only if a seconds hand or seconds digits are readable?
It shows 1:53
